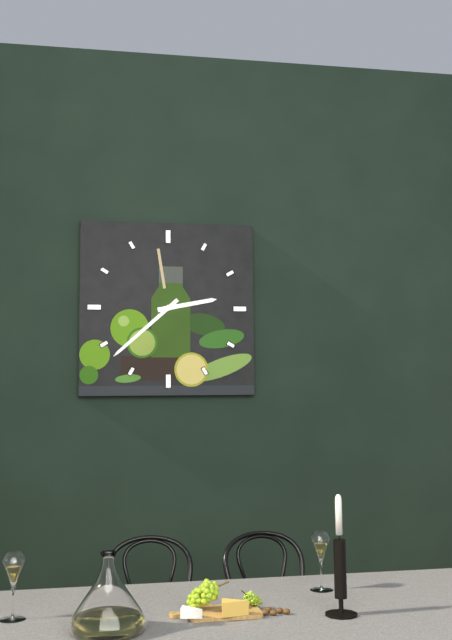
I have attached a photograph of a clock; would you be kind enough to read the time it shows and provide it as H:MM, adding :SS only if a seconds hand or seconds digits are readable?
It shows 2:38
